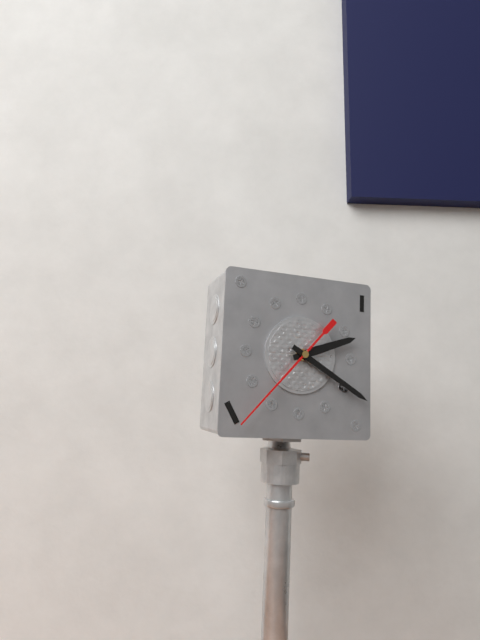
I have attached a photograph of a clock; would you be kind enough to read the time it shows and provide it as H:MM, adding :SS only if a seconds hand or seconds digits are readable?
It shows 2:20:37
